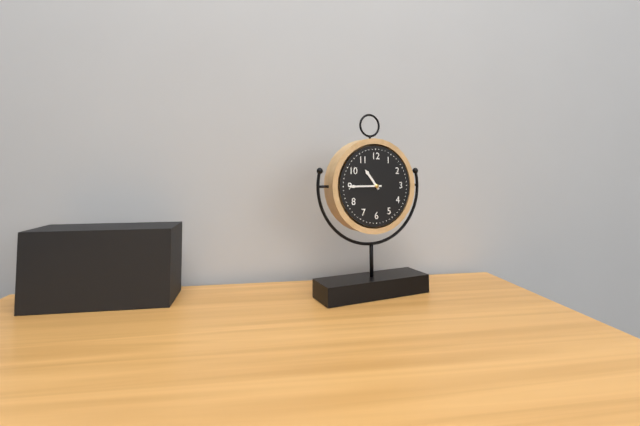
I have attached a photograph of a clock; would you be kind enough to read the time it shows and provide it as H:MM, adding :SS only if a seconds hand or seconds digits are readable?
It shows 10:45
